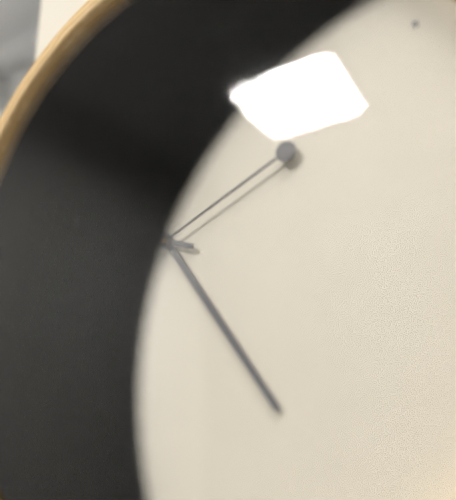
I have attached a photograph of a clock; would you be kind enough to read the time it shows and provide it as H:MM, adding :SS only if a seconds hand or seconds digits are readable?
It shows 4:48:41
